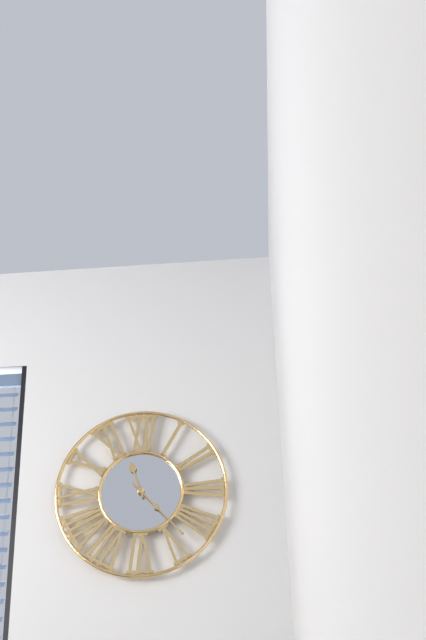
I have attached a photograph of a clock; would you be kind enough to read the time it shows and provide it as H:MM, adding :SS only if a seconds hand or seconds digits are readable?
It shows 11:23
